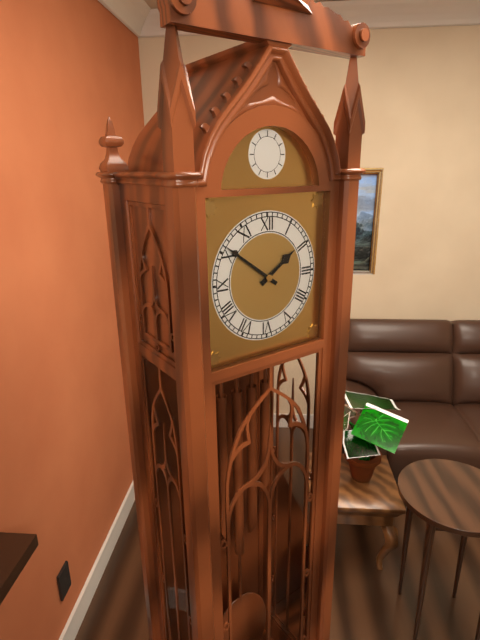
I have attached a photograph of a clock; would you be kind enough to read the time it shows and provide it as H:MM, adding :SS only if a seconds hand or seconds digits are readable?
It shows 1:51
